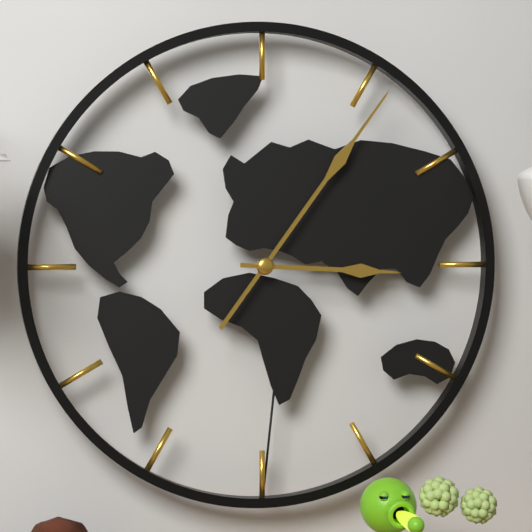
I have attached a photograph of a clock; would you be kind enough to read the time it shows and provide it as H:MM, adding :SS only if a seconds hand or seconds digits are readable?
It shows 3:06
